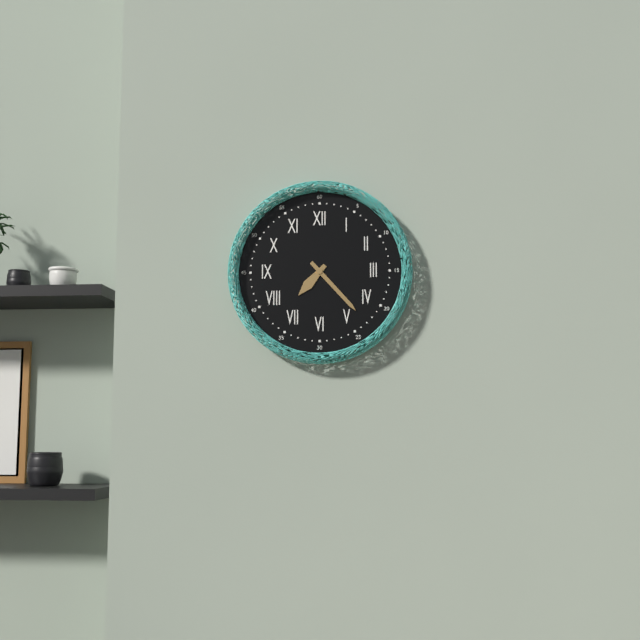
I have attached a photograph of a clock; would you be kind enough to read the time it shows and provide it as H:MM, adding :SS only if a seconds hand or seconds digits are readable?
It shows 7:23
